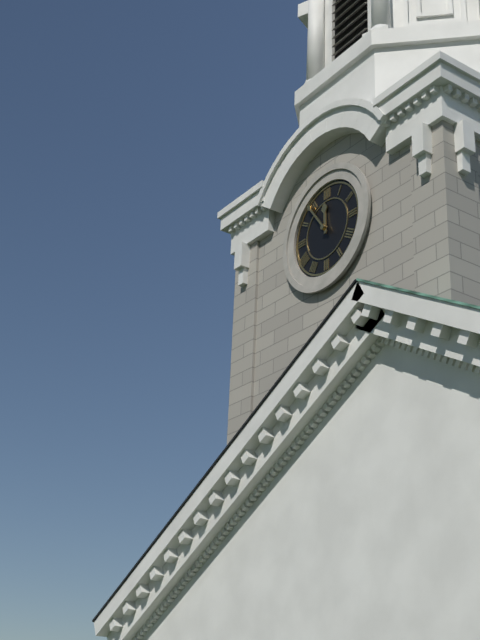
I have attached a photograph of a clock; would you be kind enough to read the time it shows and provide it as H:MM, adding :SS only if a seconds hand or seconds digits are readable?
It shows 11:54
